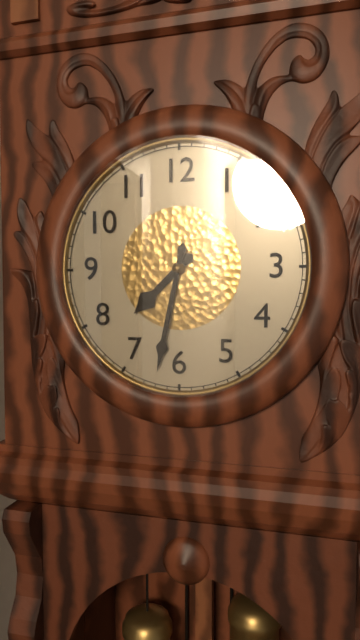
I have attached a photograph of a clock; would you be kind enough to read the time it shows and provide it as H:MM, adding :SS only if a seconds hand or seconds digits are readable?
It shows 7:32
